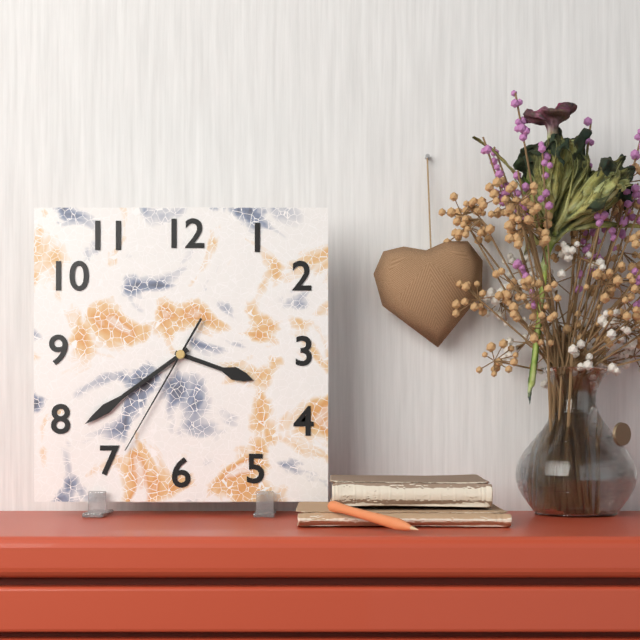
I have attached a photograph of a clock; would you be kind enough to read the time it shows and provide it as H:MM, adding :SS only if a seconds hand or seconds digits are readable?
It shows 3:39:35
